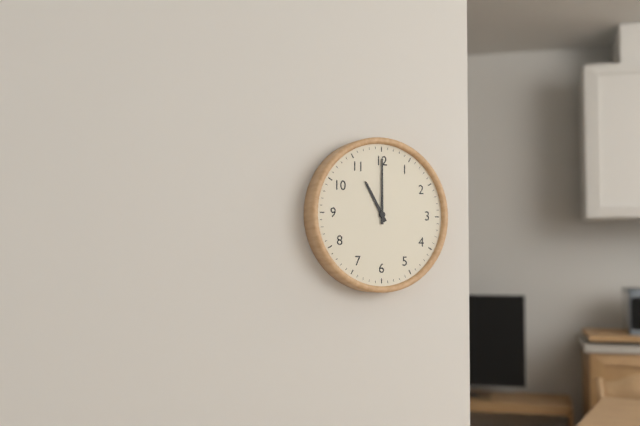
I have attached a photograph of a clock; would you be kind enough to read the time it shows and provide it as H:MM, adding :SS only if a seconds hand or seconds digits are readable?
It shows 11:00
